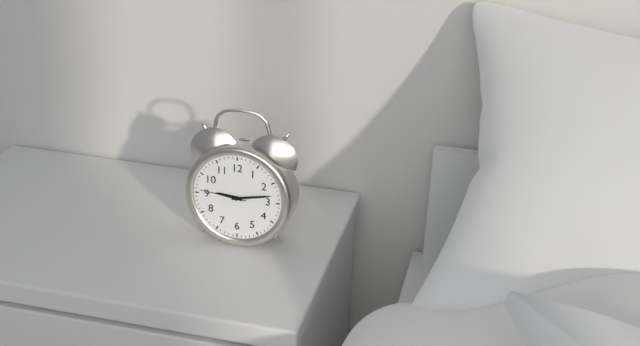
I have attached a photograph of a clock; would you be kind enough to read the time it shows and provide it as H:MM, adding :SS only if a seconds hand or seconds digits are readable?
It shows 9:13
